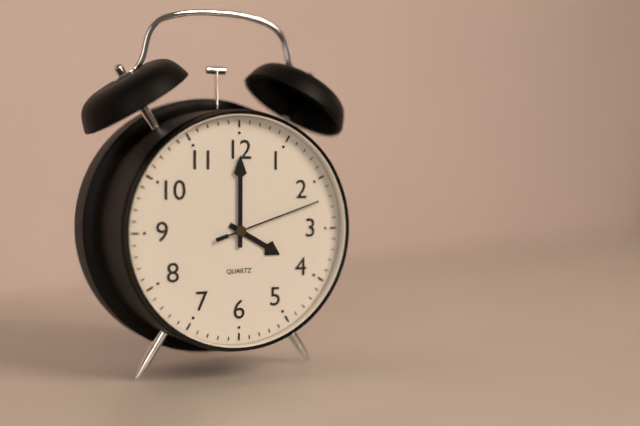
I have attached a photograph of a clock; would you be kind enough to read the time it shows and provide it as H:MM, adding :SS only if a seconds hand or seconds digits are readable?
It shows 4:00:12
